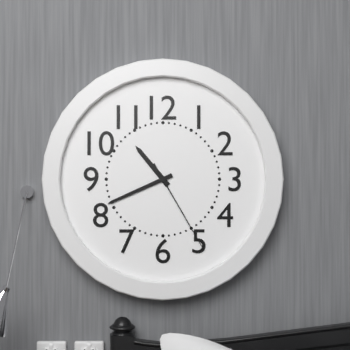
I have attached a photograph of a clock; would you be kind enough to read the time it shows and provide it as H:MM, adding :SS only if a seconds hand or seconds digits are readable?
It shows 10:41:25
